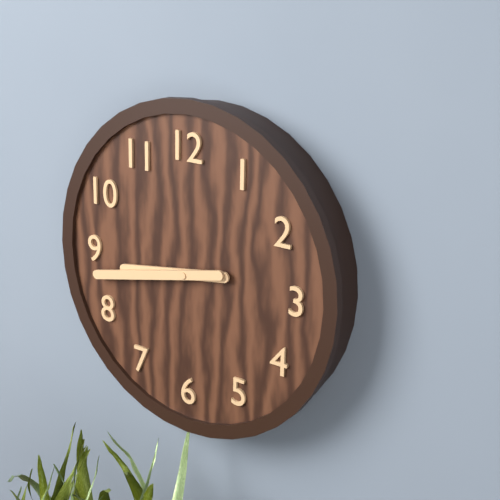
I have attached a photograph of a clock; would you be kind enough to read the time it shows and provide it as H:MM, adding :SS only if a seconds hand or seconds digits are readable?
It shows 8:43
